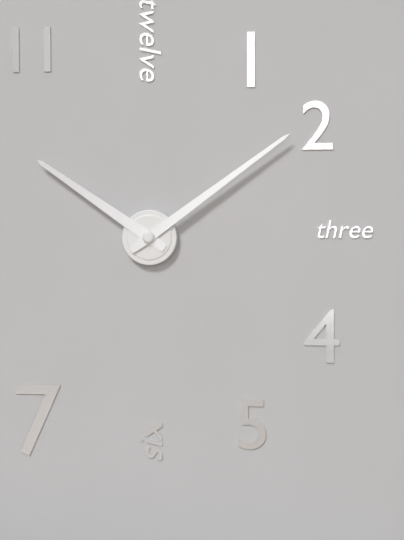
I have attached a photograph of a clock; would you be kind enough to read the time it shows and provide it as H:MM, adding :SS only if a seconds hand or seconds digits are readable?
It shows 10:09
